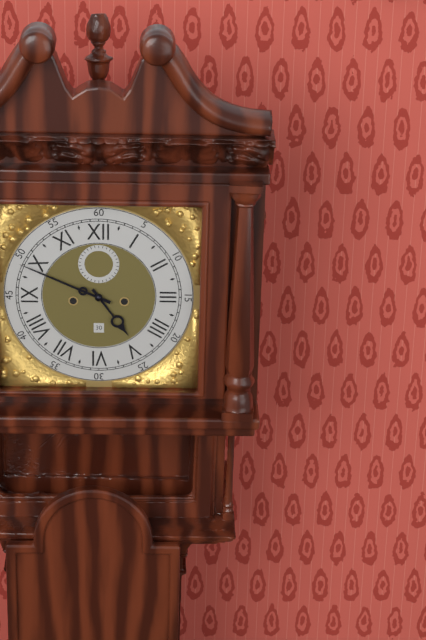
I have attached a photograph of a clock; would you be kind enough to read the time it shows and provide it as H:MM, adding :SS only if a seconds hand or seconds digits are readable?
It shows 4:49
